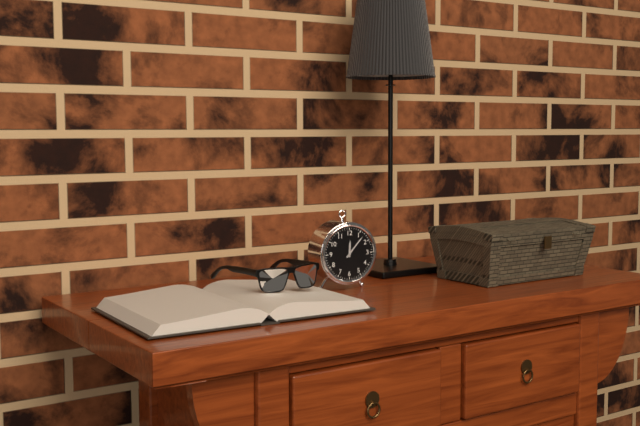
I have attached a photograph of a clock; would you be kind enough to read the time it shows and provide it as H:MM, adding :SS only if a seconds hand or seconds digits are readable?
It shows 12:07
